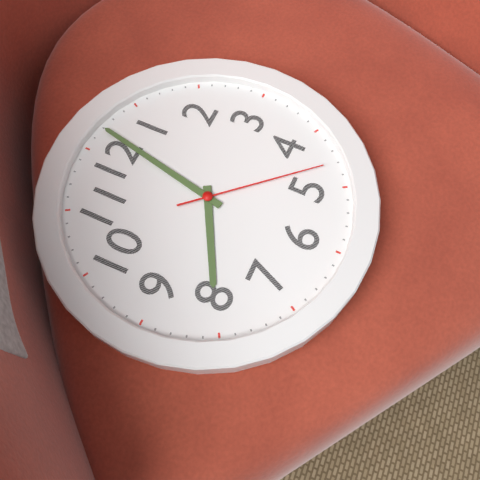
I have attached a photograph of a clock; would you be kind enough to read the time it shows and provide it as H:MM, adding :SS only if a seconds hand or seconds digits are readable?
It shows 8:02:23
